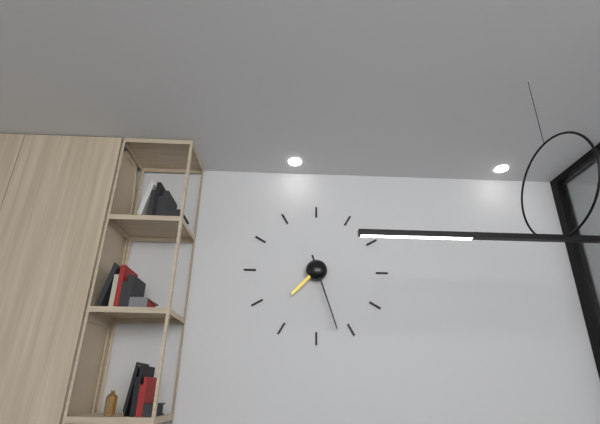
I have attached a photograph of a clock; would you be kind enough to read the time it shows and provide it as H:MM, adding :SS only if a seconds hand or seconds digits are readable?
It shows 7:27
